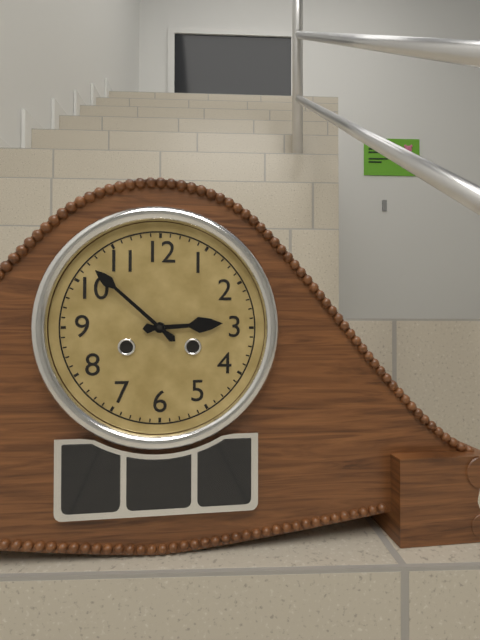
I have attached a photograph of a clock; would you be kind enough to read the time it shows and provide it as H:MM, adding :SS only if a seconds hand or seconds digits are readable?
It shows 2:52
